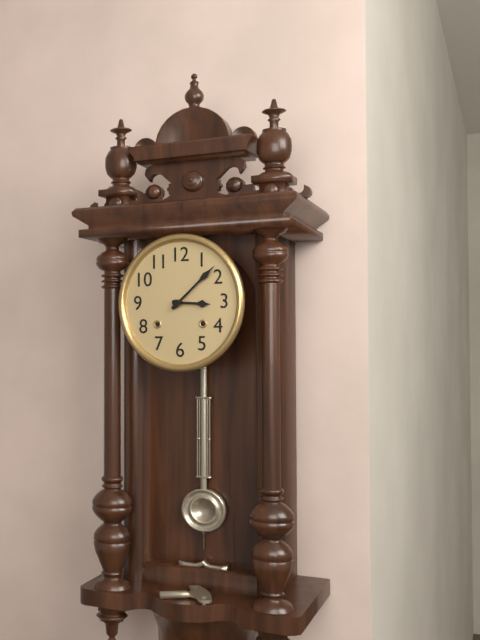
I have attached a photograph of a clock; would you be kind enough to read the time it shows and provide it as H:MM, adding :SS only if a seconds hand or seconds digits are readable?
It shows 3:08
